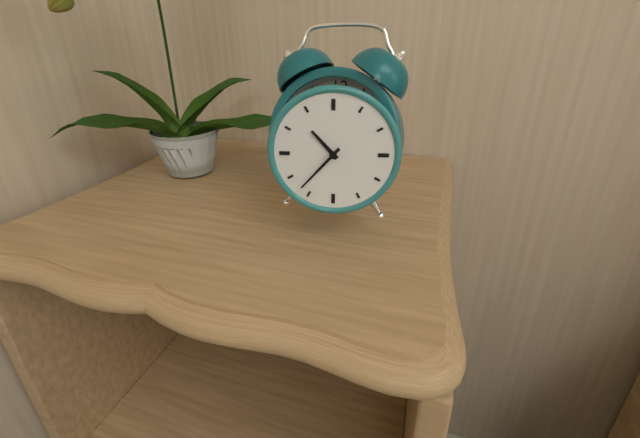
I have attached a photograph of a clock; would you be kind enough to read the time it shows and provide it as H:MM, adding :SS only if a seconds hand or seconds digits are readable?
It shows 10:37
